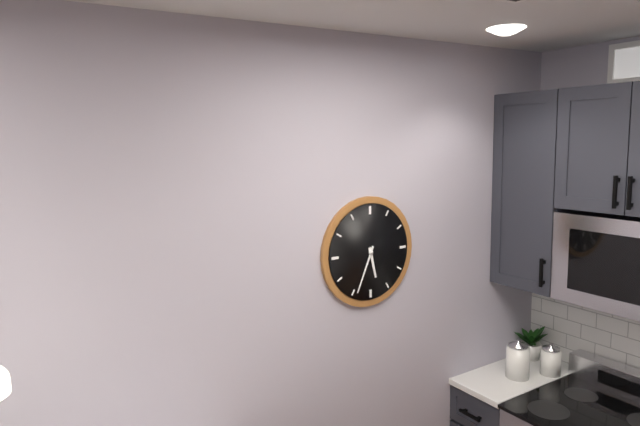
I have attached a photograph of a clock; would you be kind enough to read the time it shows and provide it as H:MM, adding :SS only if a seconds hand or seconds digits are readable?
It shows 5:34
